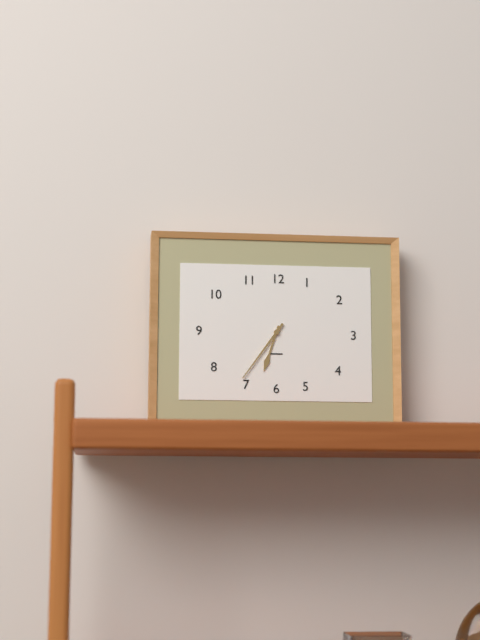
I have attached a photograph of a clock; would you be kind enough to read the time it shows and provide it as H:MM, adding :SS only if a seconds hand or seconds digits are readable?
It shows 6:36
